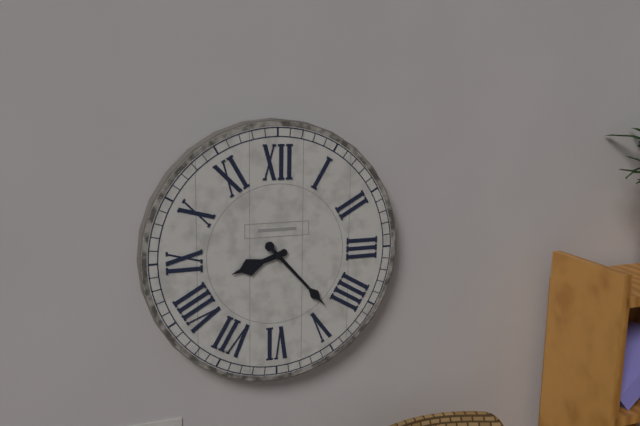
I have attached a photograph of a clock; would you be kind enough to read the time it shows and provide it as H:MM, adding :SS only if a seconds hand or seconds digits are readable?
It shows 8:23
